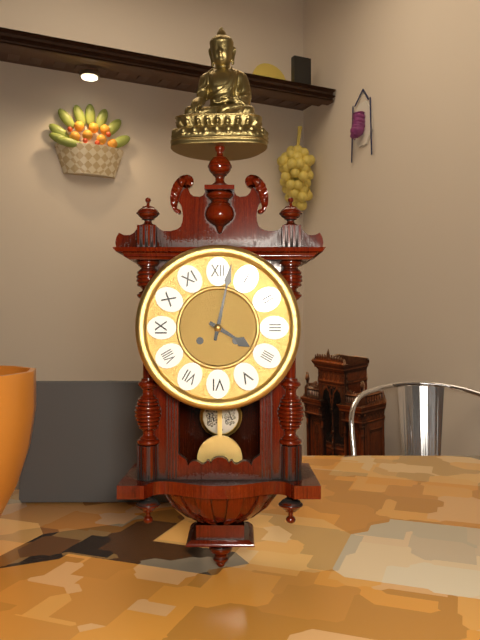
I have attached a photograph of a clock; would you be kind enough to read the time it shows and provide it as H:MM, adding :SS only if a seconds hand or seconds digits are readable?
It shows 4:02
